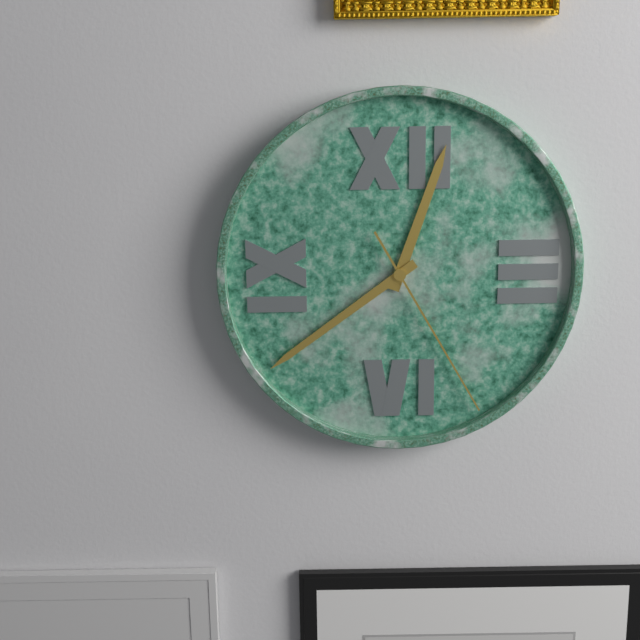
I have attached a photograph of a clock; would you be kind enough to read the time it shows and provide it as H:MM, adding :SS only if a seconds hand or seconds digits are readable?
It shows 12:39:25
